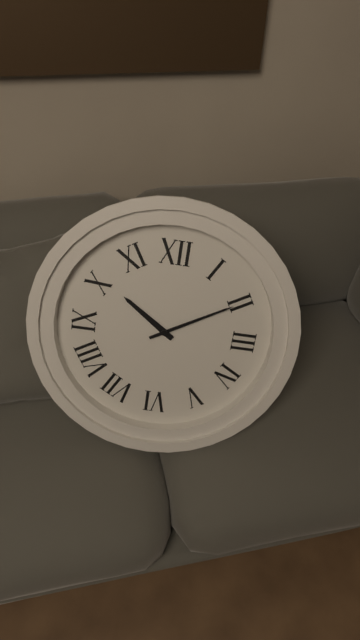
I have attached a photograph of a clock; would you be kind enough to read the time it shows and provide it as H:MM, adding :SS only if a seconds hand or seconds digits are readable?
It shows 10:10
